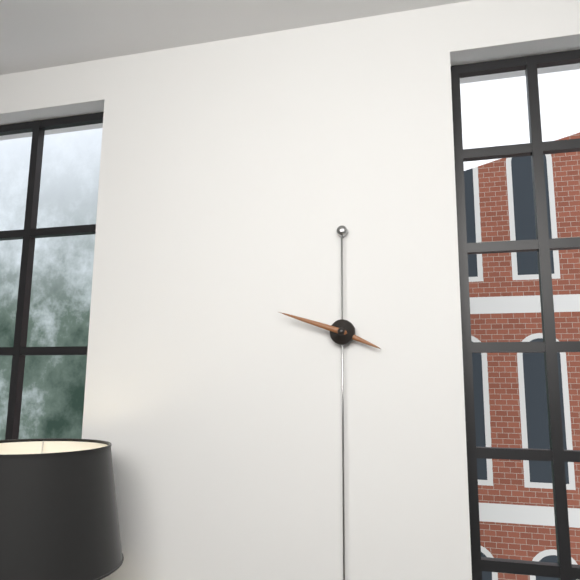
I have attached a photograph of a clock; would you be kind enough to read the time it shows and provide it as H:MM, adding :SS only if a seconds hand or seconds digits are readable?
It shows 3:48
